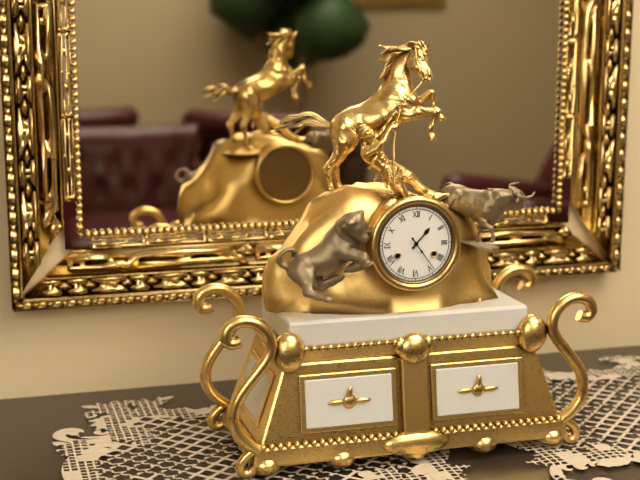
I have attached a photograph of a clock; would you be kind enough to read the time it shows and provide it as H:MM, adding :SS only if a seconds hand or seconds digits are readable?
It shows 1:24
